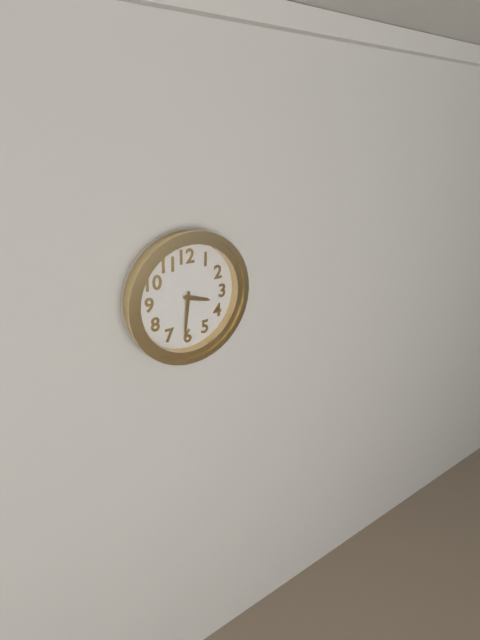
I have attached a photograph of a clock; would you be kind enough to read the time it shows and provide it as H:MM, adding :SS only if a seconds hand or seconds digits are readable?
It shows 3:31
